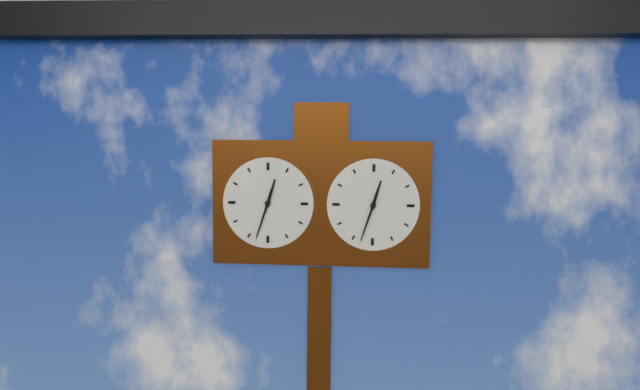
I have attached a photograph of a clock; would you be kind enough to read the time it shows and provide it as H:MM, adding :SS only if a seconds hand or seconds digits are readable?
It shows 12:33
